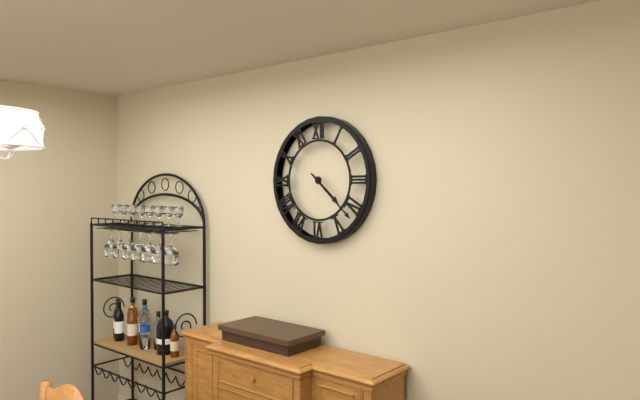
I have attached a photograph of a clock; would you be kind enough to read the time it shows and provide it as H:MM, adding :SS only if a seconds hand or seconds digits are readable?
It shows 4:22
